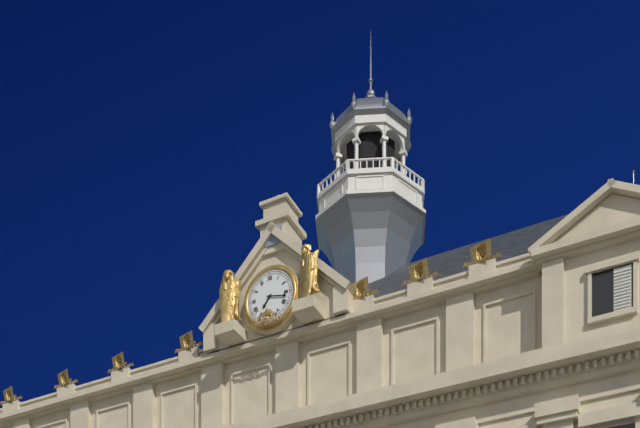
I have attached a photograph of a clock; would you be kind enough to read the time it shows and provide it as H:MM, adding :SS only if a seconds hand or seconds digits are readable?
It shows 7:17
